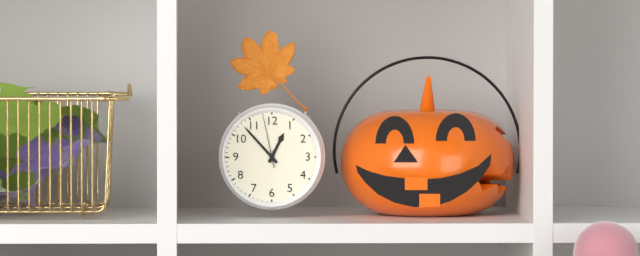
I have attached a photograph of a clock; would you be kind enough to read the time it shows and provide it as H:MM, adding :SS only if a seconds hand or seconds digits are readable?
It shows 12:53:58
